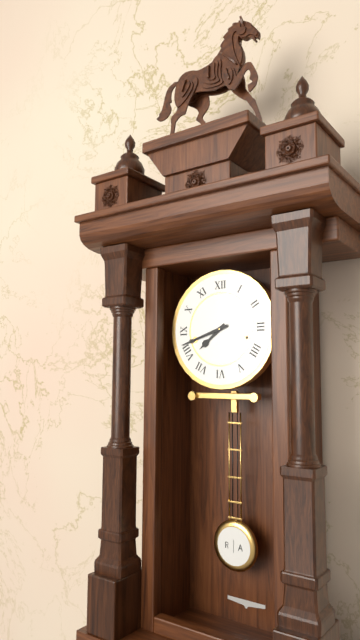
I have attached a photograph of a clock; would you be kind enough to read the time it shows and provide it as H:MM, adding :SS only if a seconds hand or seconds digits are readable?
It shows 7:42
